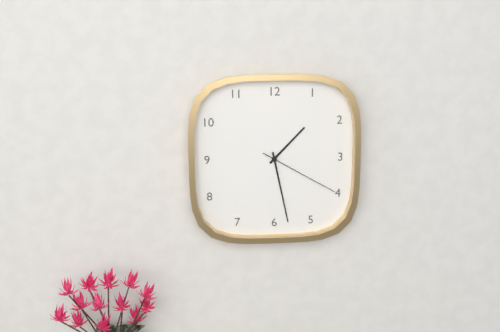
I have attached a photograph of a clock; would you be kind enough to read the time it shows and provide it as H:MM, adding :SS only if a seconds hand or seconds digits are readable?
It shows 1:28:20
